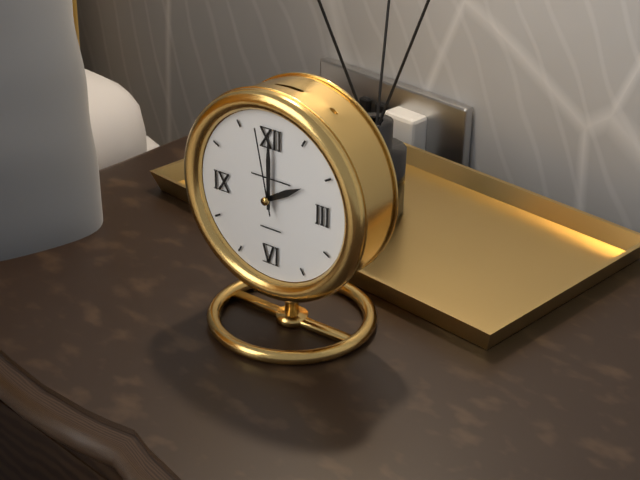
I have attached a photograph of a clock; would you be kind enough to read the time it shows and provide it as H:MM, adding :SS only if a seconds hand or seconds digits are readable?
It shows 2:00:58
